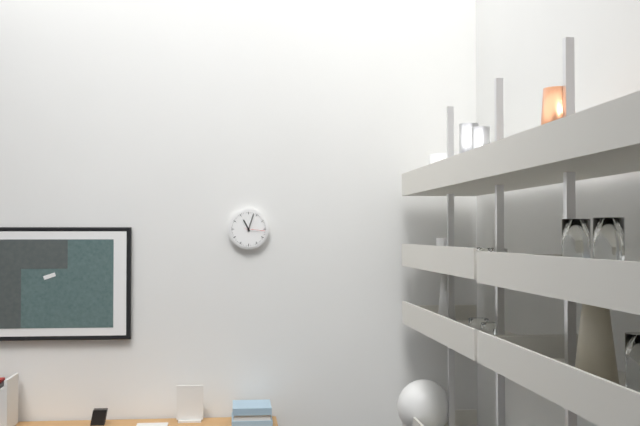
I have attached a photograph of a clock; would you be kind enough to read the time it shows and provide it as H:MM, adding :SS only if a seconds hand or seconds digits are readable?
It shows 11:03
